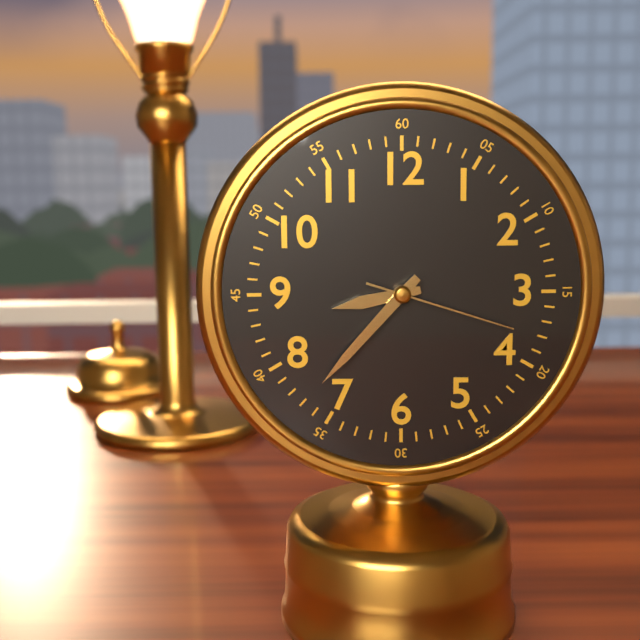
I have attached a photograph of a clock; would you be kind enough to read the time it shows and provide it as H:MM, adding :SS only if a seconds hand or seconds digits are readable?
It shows 8:37:18
